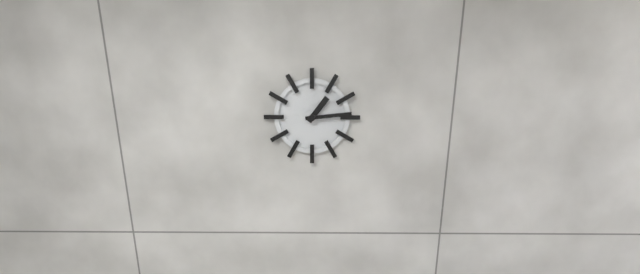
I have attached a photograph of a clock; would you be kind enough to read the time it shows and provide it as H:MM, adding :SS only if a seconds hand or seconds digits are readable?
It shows 1:14
